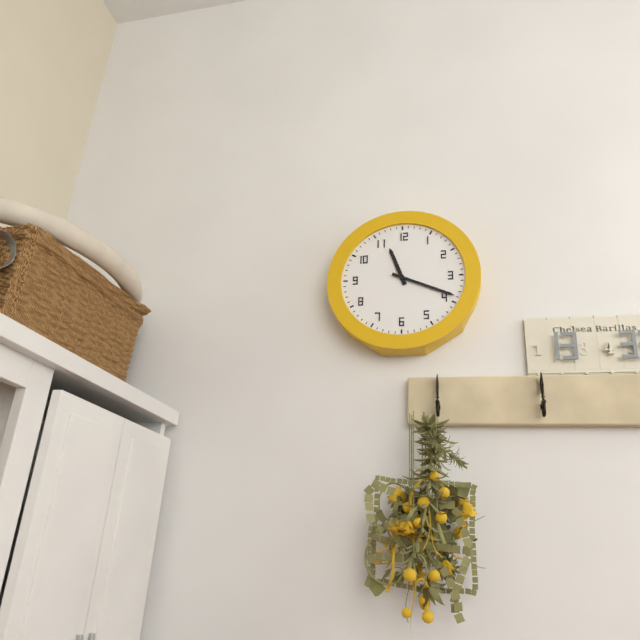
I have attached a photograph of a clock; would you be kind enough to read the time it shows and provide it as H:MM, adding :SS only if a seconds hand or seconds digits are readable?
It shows 11:19
